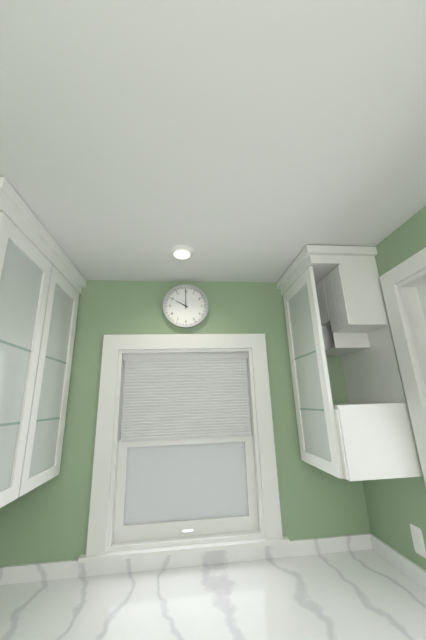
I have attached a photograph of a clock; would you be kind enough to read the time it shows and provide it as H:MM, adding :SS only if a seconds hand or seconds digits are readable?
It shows 10:00
